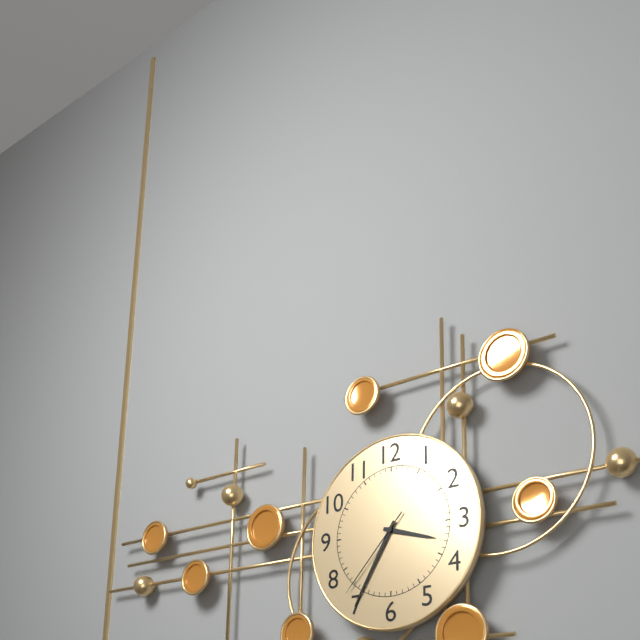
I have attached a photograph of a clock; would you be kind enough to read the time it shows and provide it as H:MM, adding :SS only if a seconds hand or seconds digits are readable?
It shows 3:35:37
